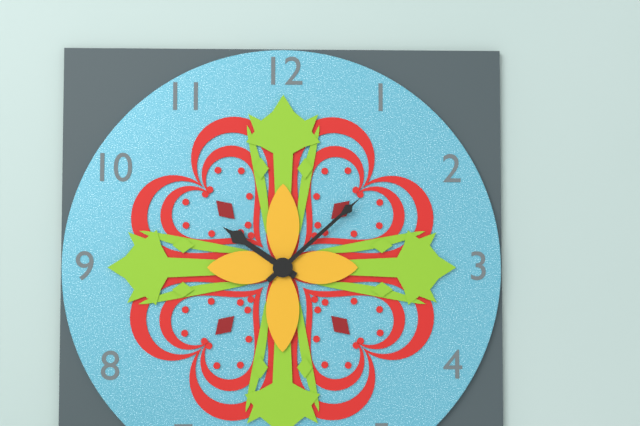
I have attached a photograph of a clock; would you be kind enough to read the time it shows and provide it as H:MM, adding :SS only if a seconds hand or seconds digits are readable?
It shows 10:08
